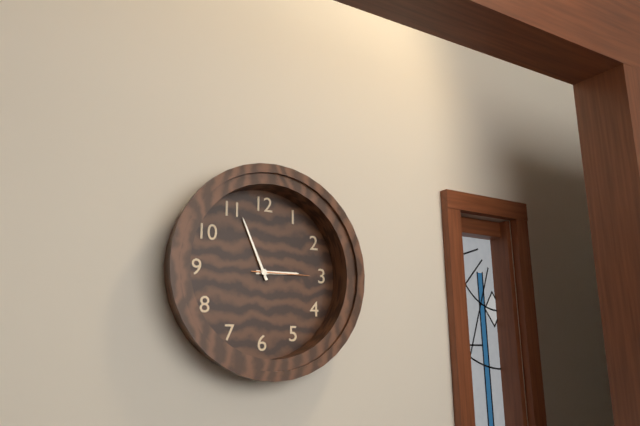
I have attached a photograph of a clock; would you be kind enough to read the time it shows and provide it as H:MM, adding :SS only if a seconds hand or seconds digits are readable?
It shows 2:56:15
